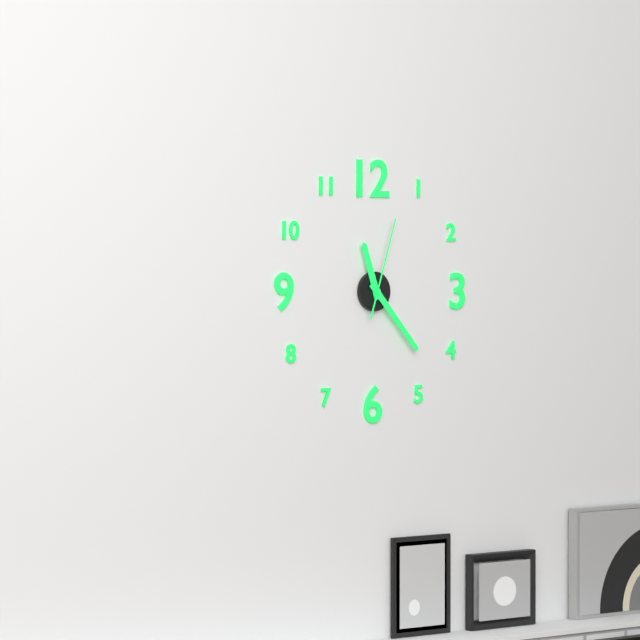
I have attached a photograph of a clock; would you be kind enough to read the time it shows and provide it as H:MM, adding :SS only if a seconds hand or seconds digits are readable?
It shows 11:23:03
